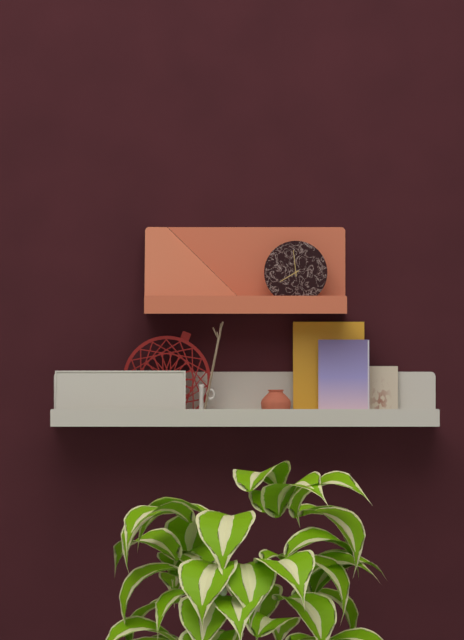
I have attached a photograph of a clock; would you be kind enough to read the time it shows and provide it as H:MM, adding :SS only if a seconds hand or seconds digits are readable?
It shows 7:59
